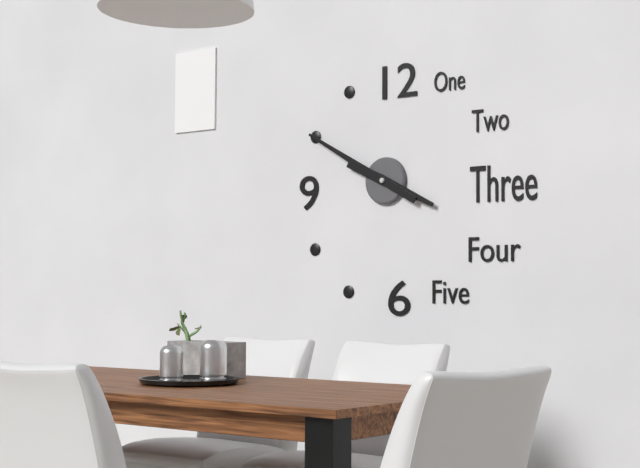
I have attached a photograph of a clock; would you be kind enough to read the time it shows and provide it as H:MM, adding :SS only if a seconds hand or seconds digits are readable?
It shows 3:50
